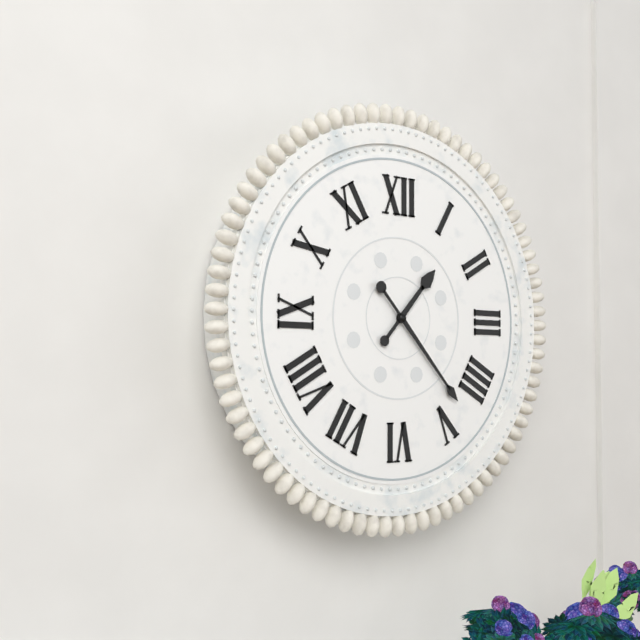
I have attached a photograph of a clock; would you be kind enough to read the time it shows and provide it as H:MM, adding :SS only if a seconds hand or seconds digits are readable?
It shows 1:23
